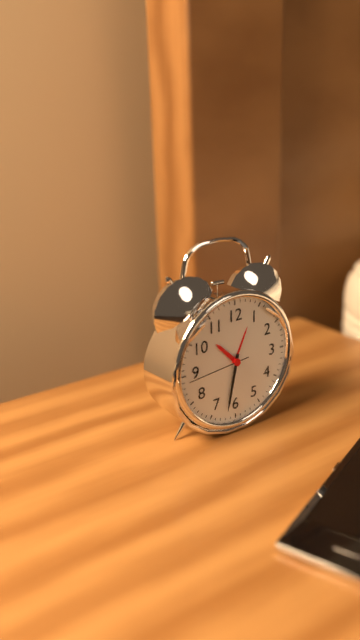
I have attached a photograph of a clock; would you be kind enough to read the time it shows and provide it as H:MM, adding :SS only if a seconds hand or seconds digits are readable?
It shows 10:32:44
